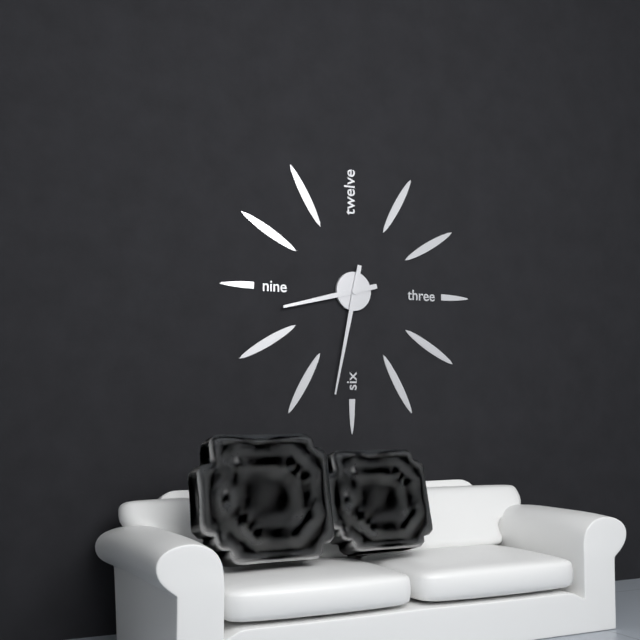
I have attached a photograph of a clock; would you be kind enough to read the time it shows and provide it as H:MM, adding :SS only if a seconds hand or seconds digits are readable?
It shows 8:32
